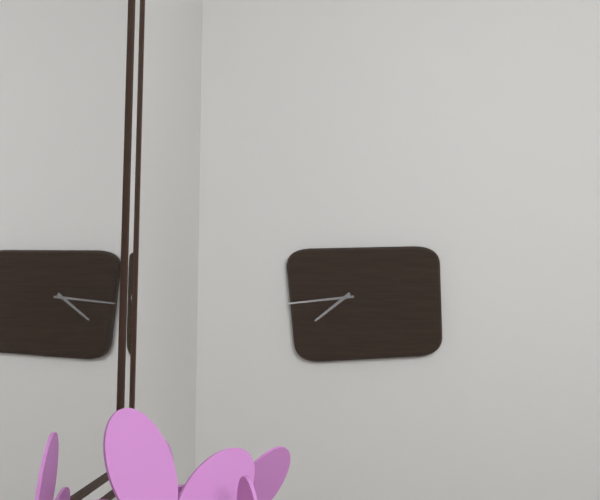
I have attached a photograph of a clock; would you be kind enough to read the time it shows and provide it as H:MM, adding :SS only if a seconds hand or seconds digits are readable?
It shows 7:44
